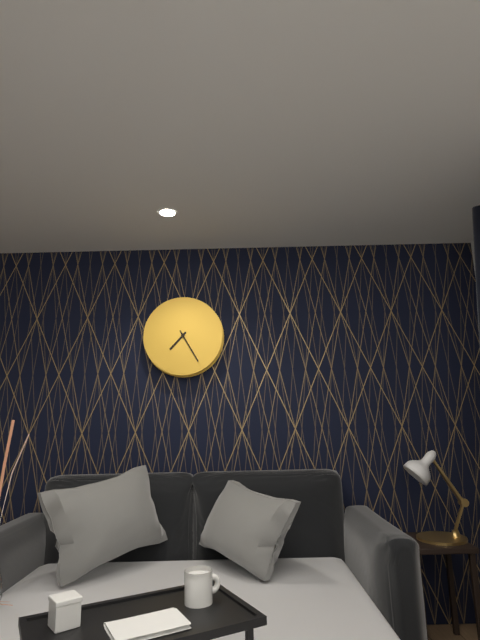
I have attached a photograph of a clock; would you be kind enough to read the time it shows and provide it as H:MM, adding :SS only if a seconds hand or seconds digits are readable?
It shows 7:25
